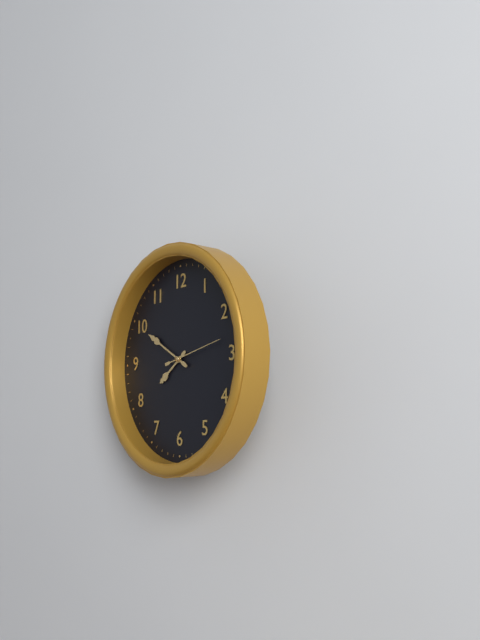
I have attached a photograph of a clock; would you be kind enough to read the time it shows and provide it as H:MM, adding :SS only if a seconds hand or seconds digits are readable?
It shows 7:50:13
